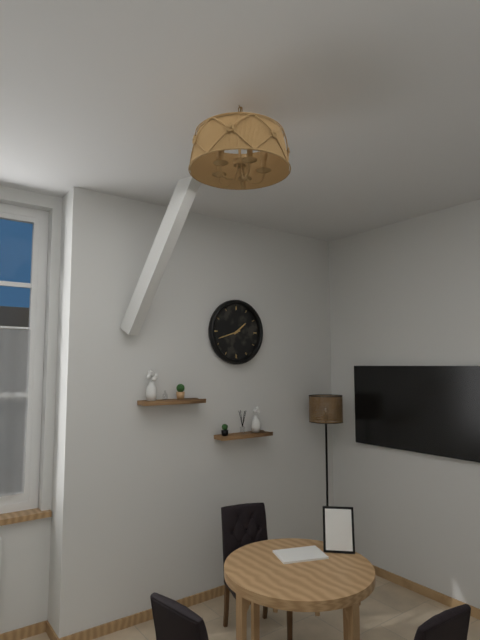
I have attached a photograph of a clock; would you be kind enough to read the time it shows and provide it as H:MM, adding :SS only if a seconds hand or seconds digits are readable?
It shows 1:42
